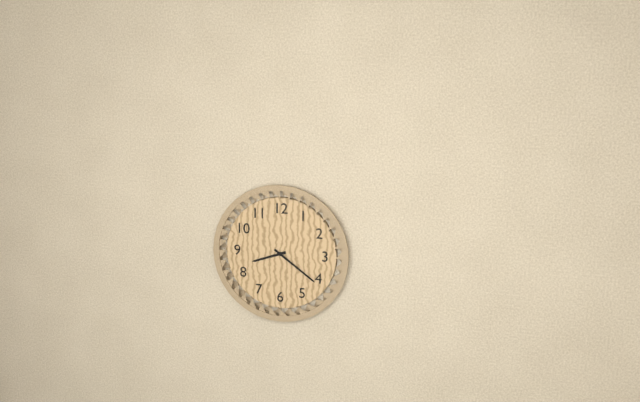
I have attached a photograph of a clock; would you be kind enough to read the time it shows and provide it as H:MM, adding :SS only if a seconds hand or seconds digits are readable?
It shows 8:21
